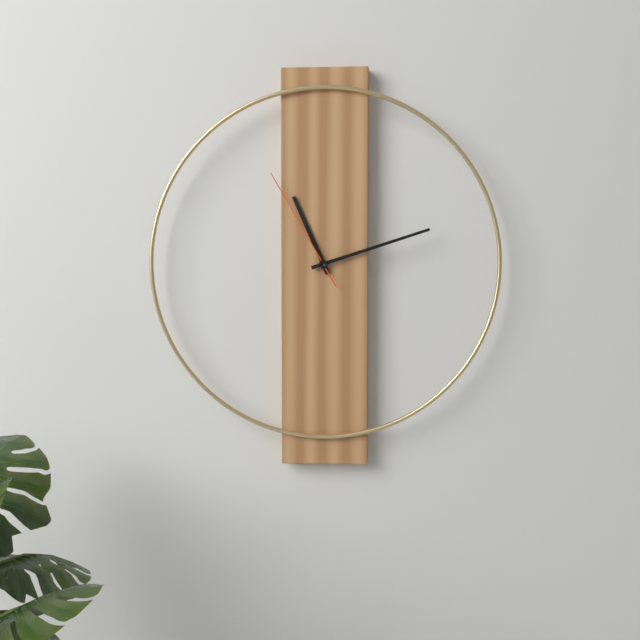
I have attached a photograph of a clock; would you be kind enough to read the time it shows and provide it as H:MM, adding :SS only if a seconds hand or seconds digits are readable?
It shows 11:12:55
